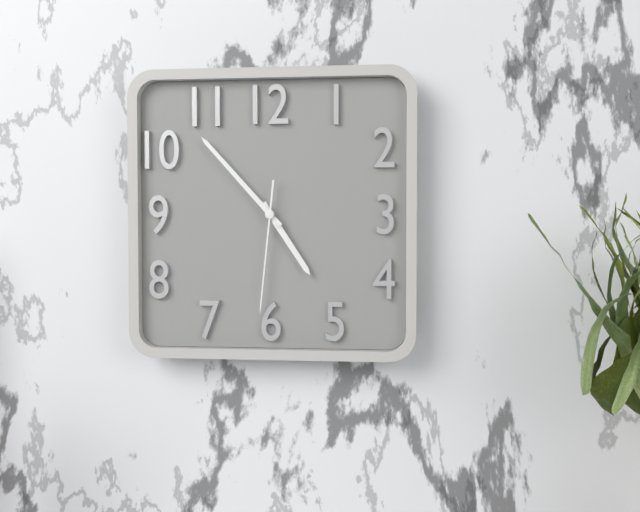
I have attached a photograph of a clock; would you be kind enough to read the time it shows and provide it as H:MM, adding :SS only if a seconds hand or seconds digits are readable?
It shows 4:53:31
